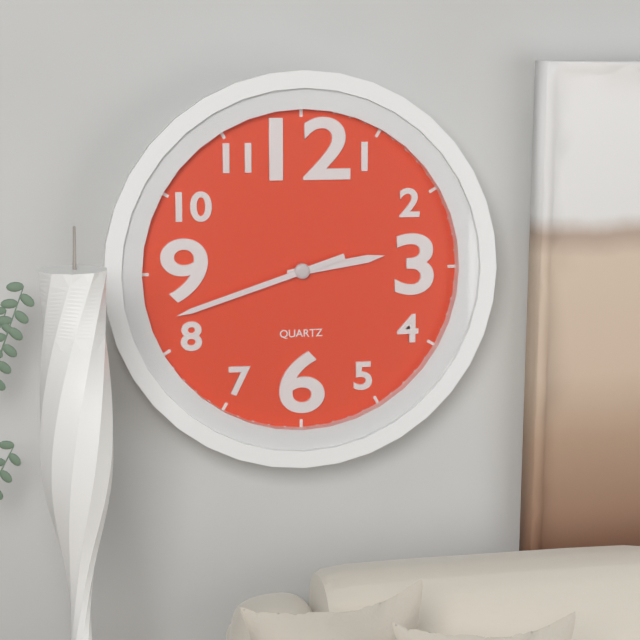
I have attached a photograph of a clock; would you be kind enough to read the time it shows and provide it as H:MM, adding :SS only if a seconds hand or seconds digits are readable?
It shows 2:42
